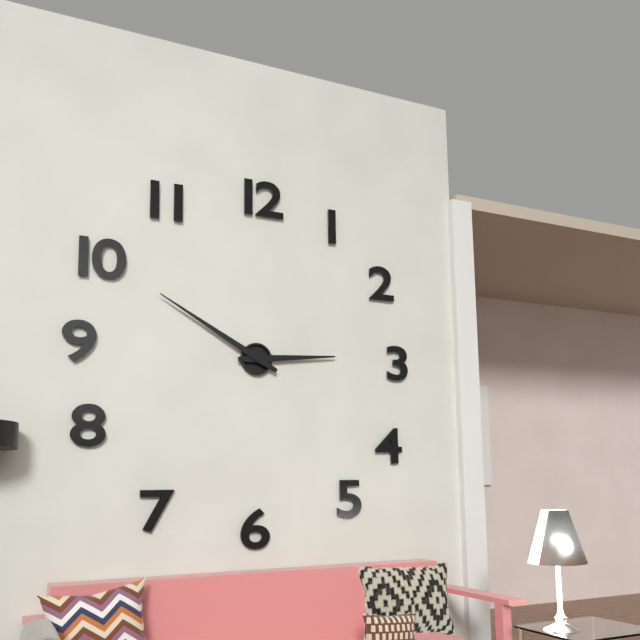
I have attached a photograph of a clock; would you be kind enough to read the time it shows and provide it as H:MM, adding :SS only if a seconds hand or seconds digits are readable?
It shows 2:50
